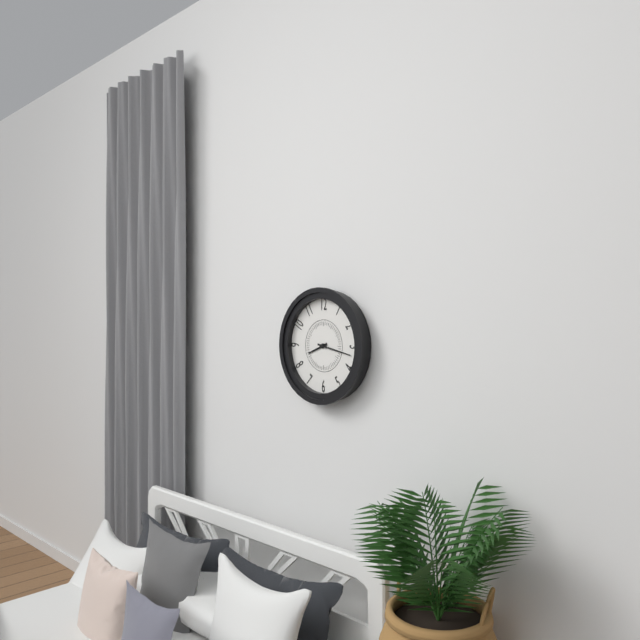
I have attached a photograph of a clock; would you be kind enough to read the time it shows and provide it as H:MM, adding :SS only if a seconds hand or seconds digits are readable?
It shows 8:17
